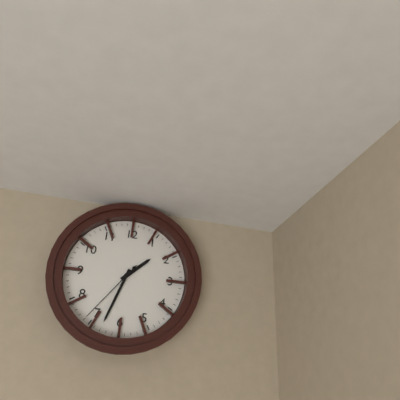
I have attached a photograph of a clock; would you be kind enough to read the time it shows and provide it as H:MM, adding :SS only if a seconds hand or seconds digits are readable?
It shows 1:33:36
